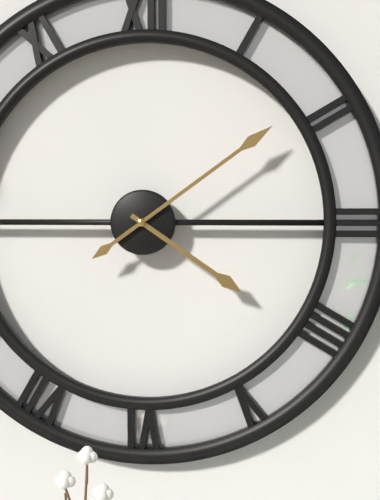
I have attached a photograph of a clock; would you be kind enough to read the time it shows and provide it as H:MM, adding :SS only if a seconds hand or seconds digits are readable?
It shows 4:09
